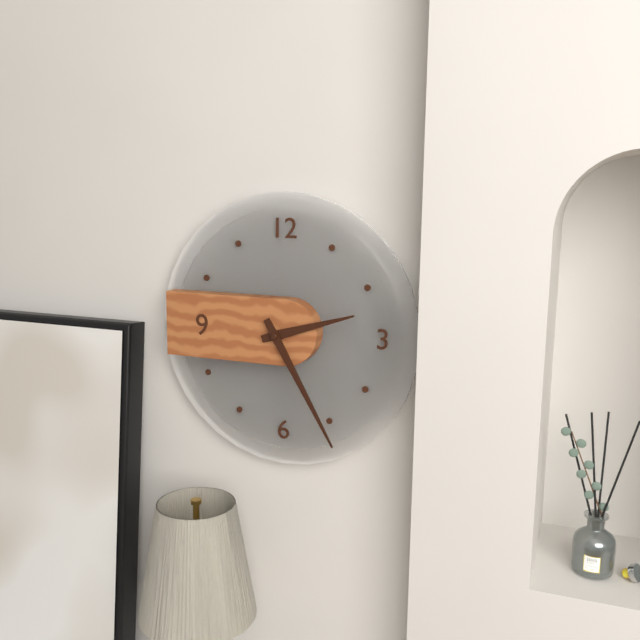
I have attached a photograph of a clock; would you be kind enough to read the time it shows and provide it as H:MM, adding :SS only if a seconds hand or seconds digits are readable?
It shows 2:25
